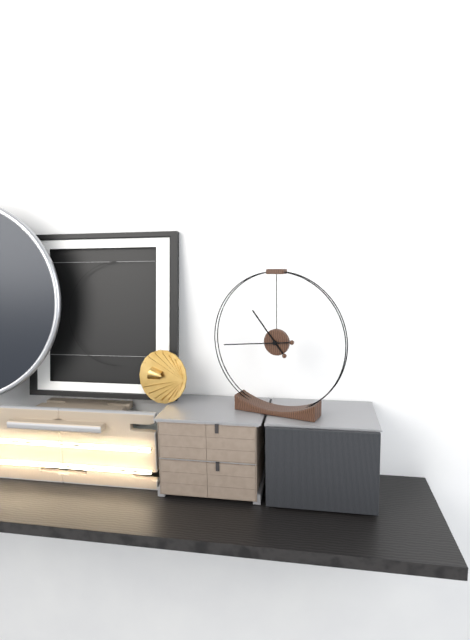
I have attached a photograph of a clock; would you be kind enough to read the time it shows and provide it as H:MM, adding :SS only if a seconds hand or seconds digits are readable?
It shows 10:44
